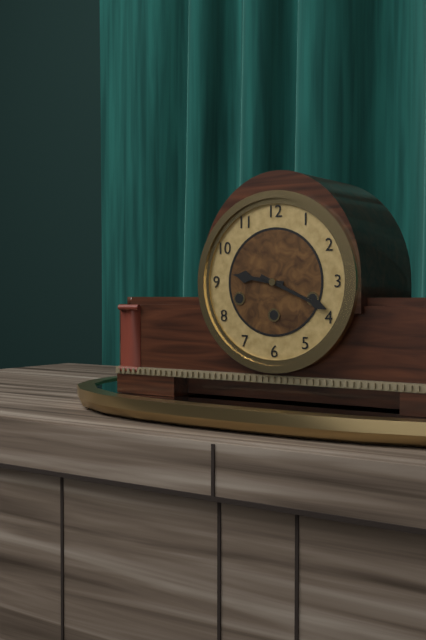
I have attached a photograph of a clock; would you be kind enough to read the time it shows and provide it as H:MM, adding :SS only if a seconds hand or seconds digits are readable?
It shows 9:19
